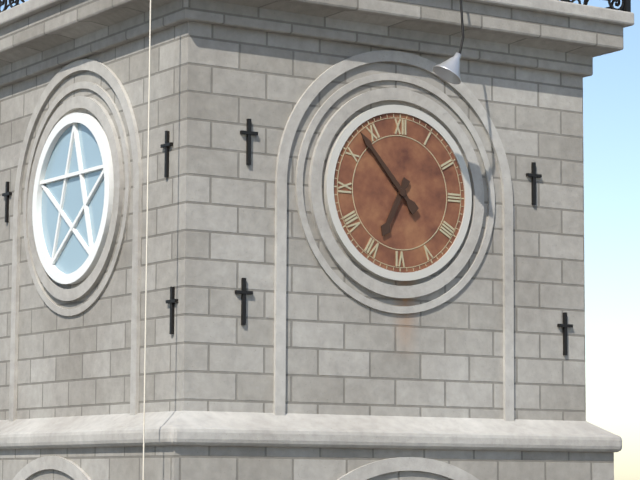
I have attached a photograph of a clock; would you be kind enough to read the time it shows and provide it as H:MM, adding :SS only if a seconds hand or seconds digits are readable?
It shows 6:53
